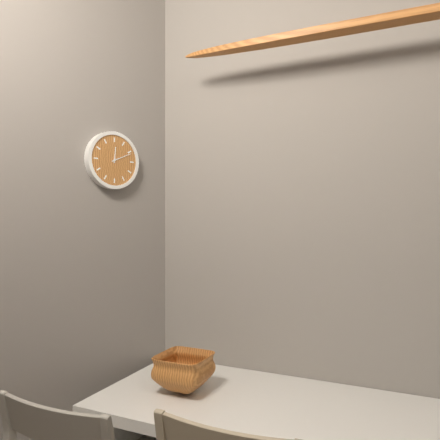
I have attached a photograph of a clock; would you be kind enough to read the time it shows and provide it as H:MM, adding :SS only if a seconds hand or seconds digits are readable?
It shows 12:11
